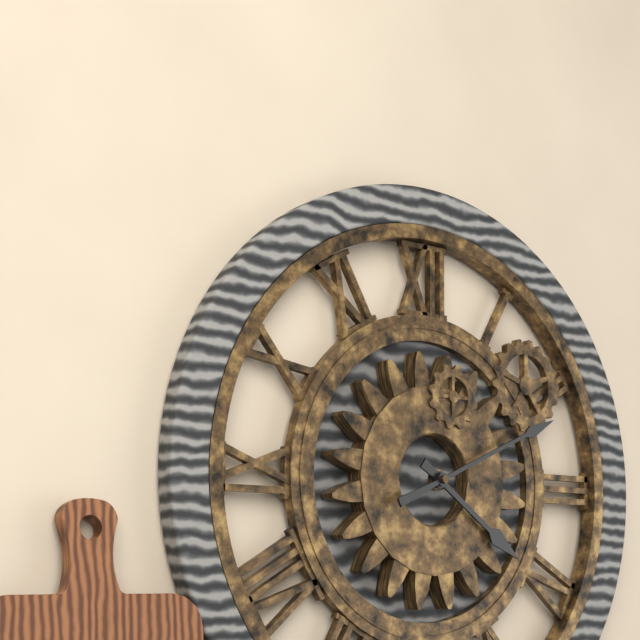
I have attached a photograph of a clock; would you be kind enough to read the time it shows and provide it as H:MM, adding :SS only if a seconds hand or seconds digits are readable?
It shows 4:11
